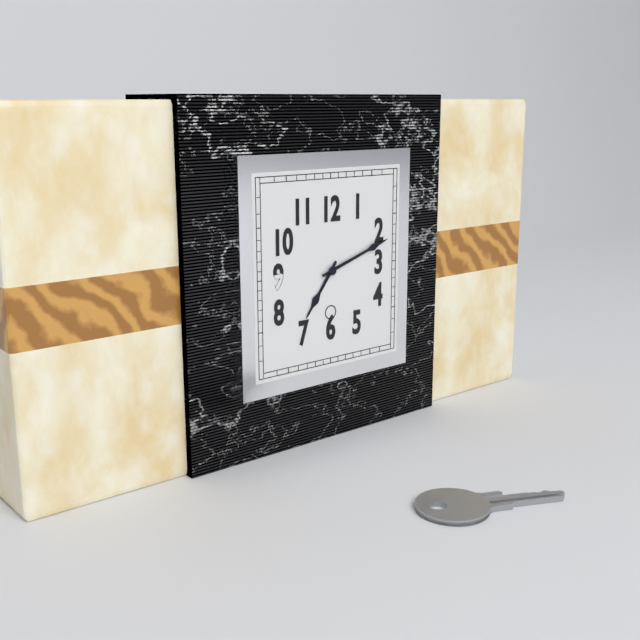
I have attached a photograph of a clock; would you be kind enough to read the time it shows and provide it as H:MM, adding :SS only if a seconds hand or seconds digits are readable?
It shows 7:12
